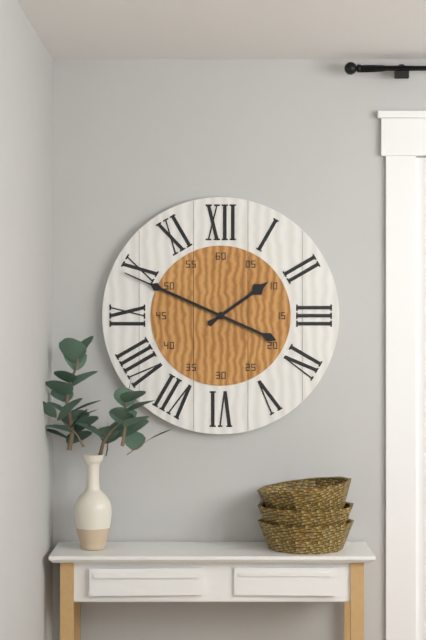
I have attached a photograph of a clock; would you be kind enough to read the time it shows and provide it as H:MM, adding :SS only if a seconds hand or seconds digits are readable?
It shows 1:49
